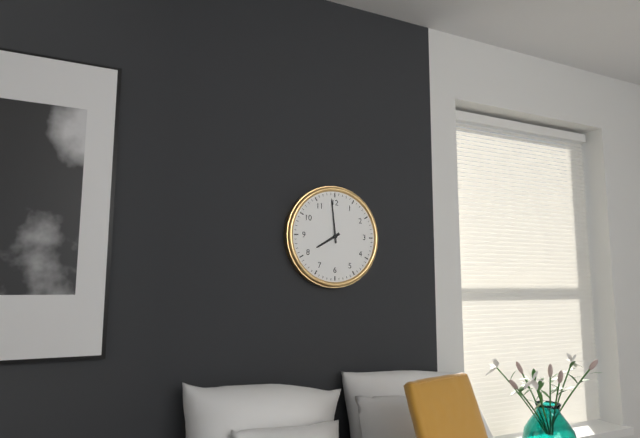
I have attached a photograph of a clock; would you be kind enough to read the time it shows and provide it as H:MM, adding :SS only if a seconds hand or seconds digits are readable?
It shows 7:59
